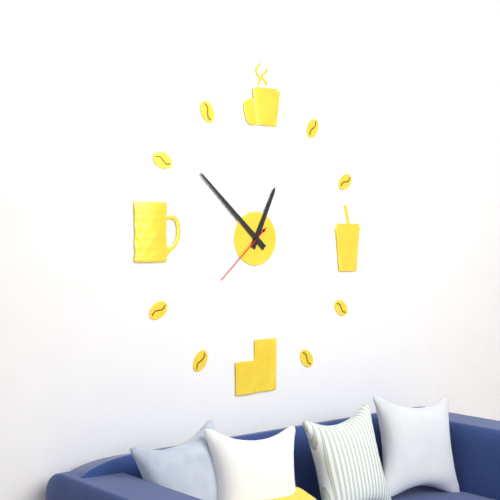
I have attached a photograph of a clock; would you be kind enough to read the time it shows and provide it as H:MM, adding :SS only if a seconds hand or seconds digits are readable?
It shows 12:52:38
